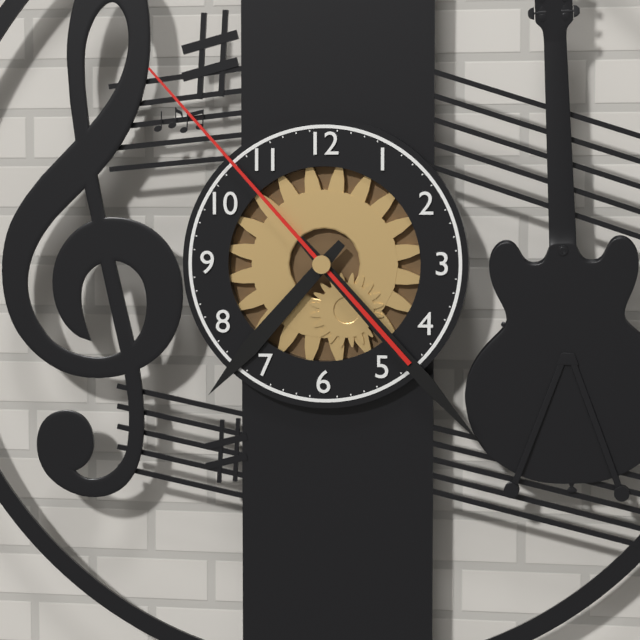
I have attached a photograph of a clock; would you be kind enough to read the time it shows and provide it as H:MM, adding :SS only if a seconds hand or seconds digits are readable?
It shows 7:23:53
